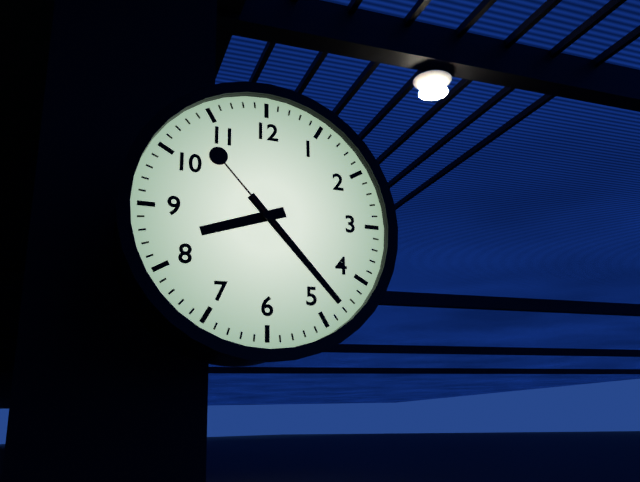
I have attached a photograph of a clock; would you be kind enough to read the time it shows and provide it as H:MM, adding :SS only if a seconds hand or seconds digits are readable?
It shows 8:23:53
